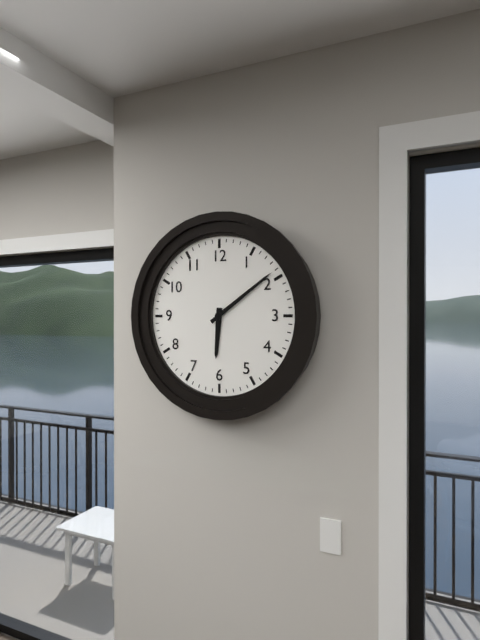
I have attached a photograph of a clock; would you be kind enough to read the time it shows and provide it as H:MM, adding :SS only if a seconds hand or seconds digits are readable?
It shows 6:09
